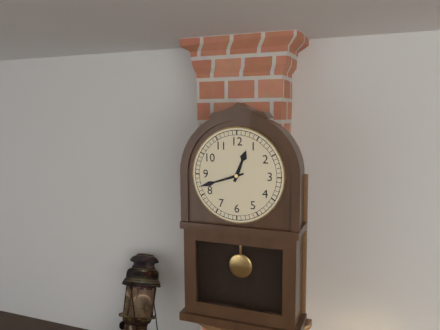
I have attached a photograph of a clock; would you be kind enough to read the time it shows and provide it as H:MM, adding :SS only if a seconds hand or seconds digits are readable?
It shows 12:42
